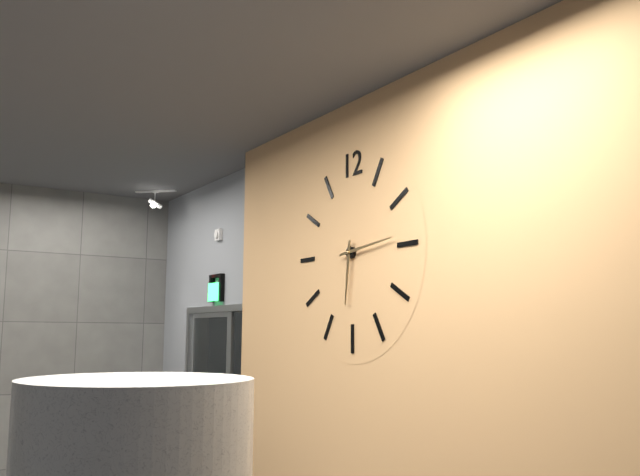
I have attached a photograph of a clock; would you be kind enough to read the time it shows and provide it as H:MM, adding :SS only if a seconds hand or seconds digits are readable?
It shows 6:14
